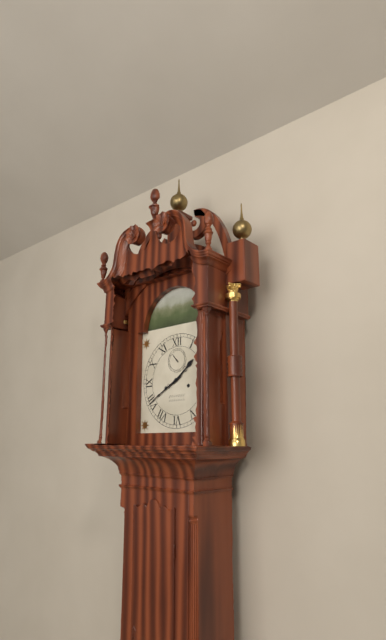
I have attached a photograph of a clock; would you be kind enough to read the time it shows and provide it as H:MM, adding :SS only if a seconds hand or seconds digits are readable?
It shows 1:40
